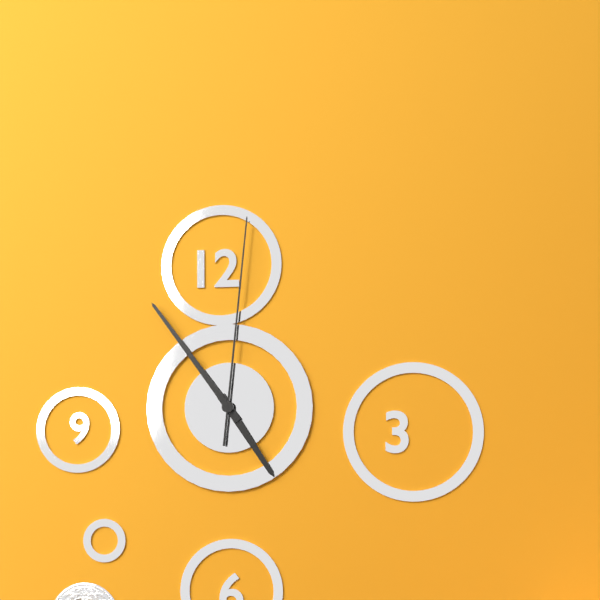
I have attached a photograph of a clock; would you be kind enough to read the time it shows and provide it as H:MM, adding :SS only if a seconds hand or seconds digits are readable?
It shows 4:54:01
